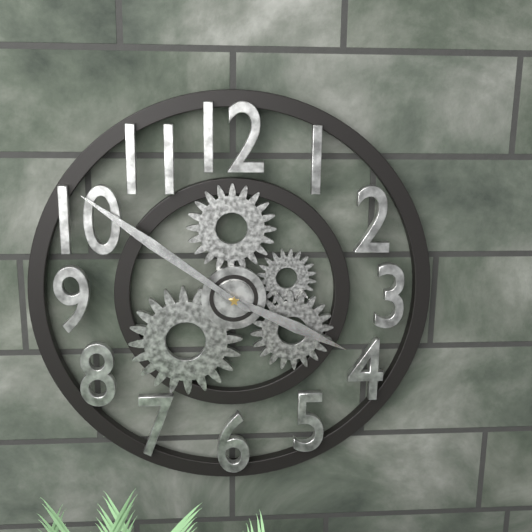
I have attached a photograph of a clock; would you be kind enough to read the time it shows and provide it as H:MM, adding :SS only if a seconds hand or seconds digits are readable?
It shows 3:51
